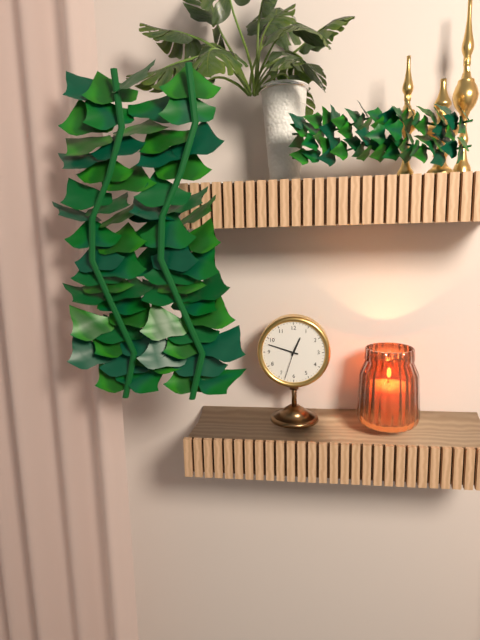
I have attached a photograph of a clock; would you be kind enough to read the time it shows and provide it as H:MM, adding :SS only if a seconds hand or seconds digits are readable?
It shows 12:48
